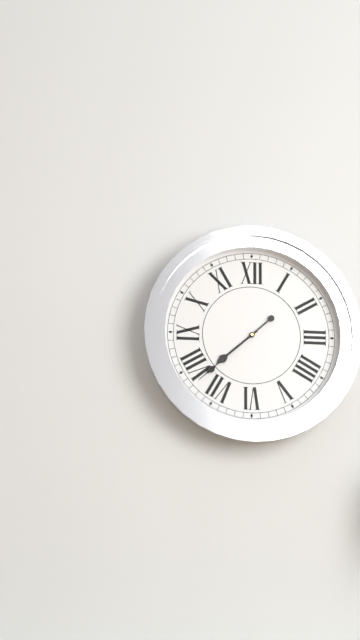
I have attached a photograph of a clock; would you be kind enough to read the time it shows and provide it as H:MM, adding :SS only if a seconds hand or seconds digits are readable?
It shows 7:38
